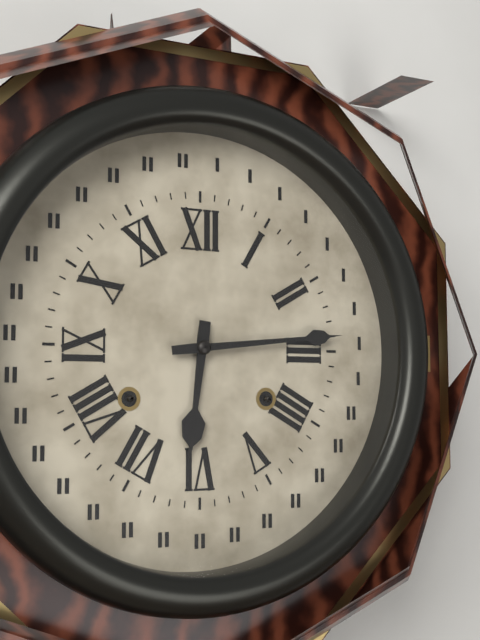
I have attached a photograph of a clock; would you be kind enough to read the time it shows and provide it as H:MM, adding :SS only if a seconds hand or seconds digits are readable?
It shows 6:14
